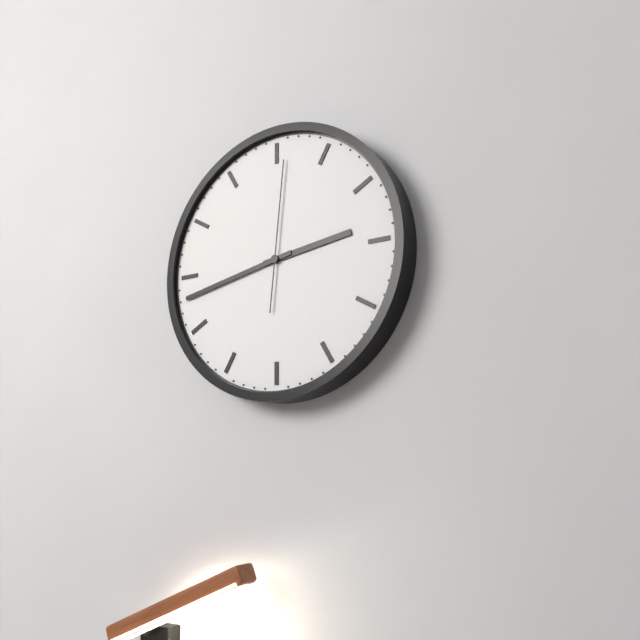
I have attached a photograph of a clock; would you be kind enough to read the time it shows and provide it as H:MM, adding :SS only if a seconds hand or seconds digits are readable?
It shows 2:43:01
